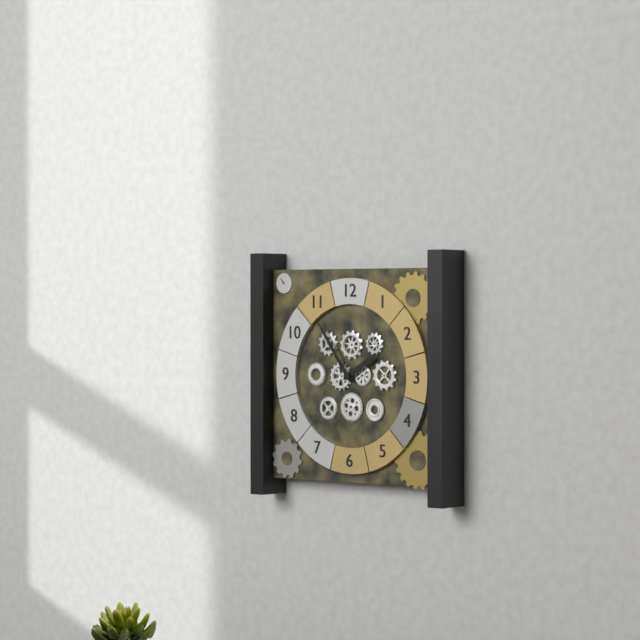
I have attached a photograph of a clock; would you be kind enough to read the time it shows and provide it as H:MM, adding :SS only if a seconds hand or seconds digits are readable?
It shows 1:54
